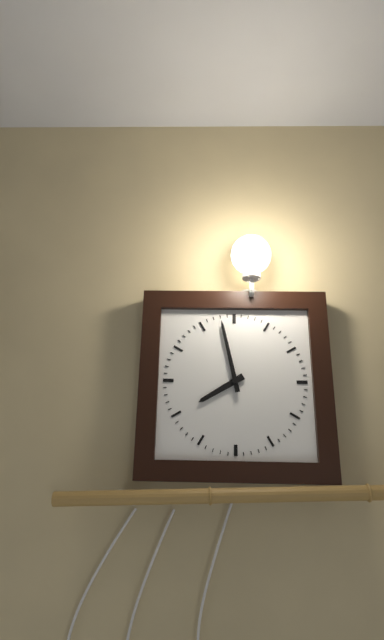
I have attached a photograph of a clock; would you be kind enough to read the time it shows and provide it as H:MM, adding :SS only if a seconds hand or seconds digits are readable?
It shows 7:58
